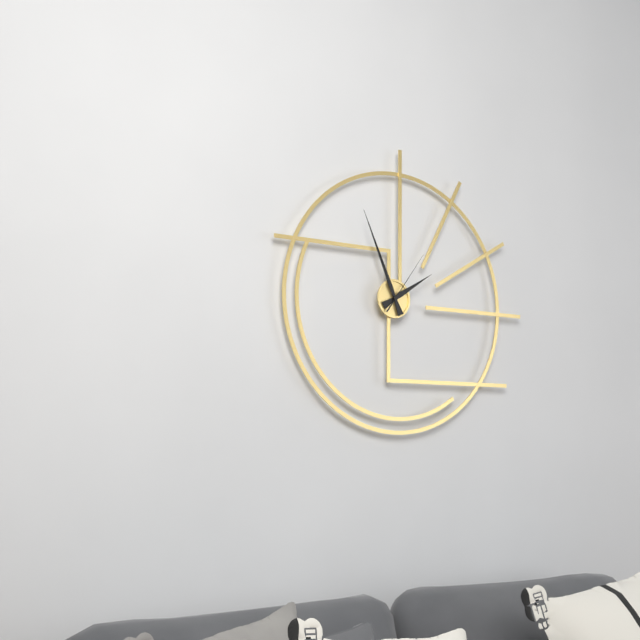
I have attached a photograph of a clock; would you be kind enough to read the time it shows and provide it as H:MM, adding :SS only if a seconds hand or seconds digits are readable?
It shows 1:56:06
